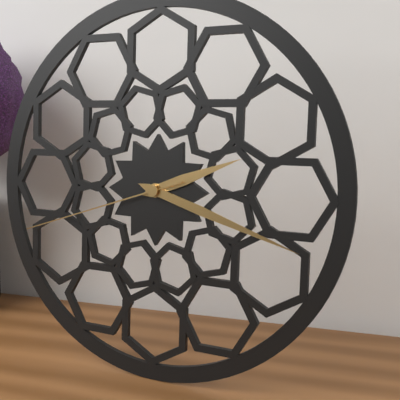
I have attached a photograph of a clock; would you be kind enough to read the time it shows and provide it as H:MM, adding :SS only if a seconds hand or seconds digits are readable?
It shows 2:18:42
